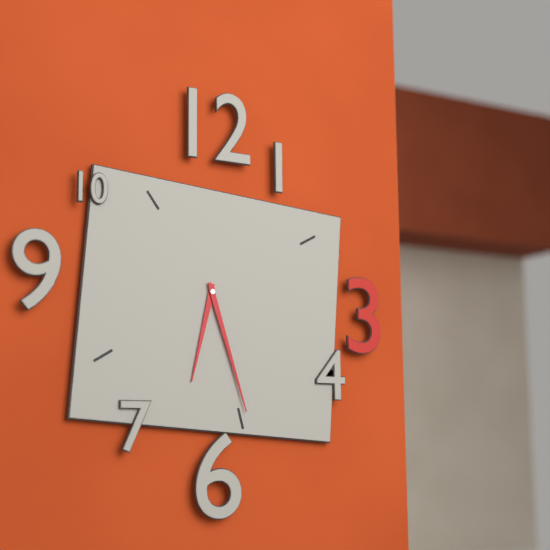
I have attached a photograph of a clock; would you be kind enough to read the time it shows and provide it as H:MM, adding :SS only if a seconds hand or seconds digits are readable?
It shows 6:27
